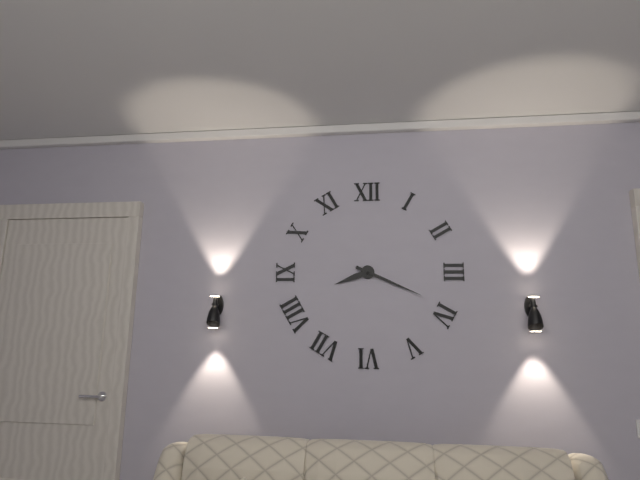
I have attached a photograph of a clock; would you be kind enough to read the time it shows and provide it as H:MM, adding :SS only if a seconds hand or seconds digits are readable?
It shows 8:19
